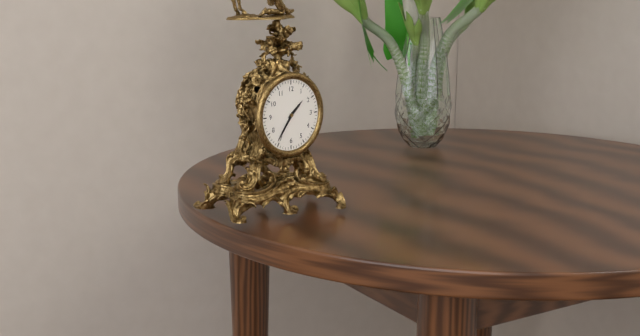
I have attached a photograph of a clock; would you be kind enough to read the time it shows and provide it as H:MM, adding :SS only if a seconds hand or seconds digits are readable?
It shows 1:36
